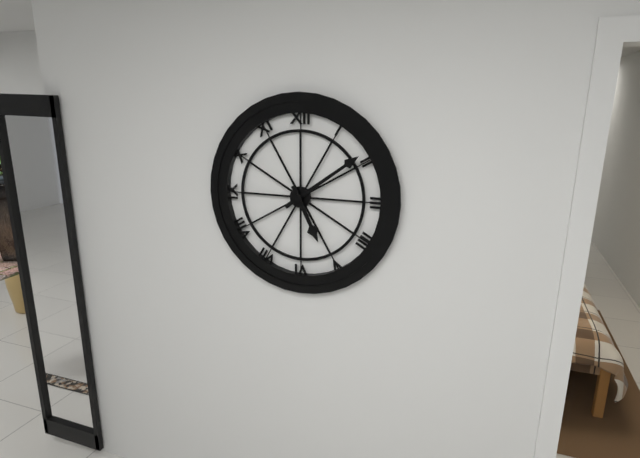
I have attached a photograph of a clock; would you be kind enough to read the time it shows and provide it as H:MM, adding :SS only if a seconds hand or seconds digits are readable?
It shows 5:09
